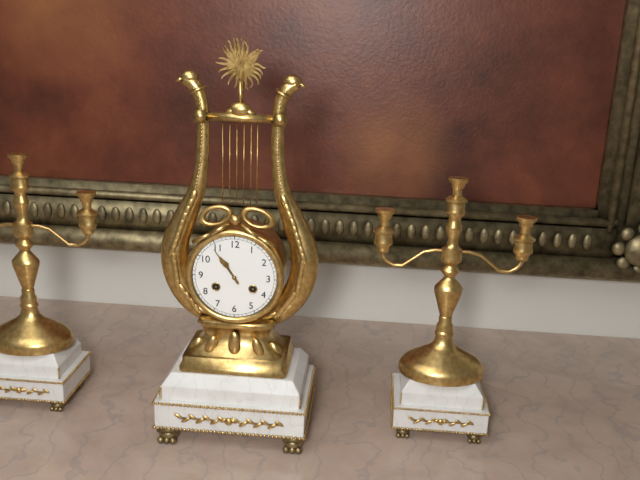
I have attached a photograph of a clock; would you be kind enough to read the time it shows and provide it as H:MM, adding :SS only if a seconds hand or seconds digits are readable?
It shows 10:54
